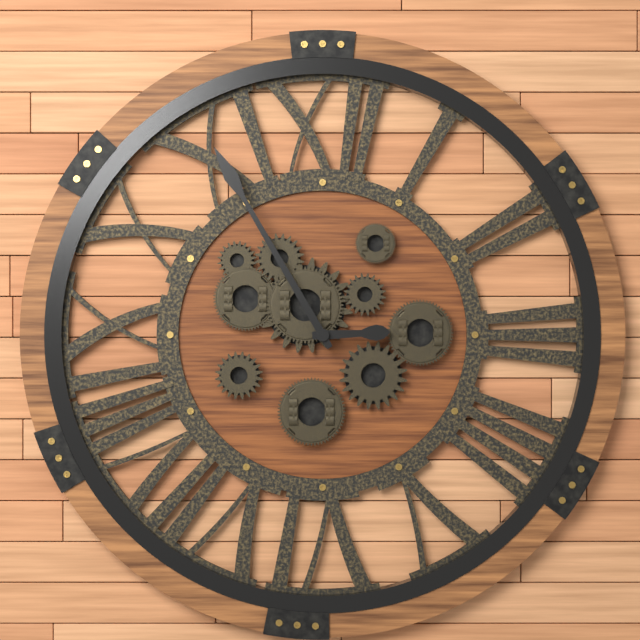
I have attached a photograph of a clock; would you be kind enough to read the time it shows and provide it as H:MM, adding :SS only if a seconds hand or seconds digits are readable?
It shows 2:55
